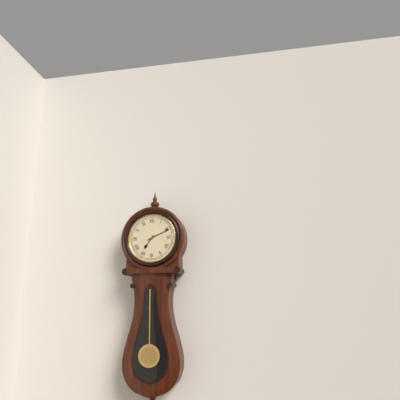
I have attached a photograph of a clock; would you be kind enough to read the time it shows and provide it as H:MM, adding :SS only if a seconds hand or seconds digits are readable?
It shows 7:11
